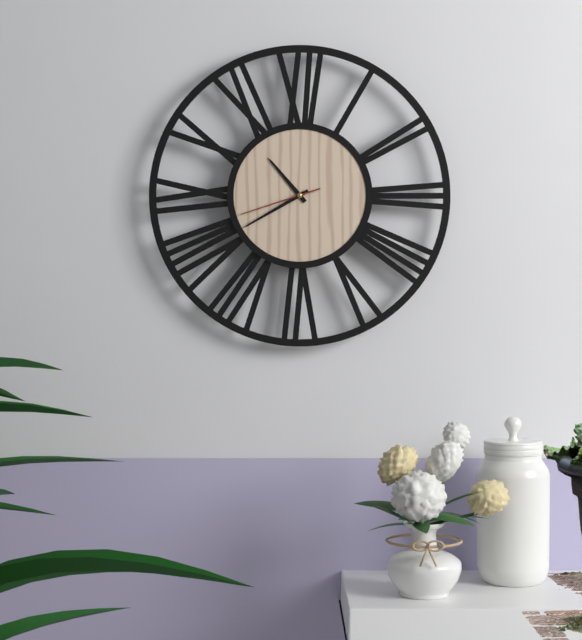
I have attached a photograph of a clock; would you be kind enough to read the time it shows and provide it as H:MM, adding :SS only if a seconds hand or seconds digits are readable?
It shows 10:40:42
